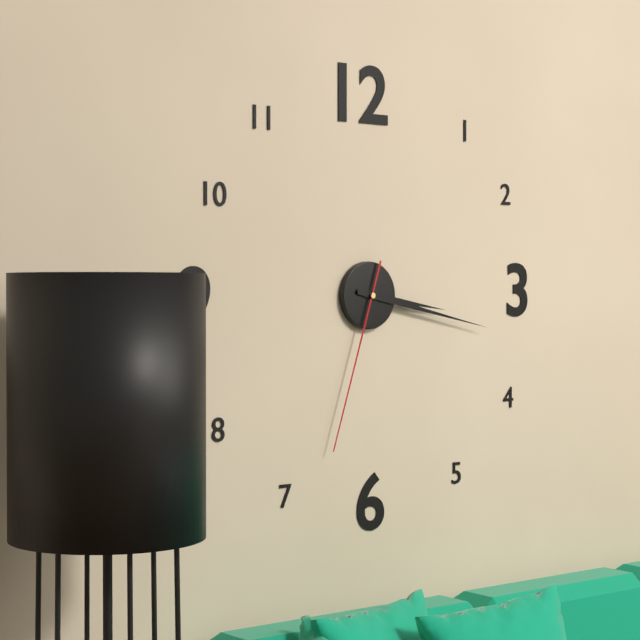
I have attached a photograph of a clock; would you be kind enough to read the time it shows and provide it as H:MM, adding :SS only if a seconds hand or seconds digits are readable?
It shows 3:17:33
